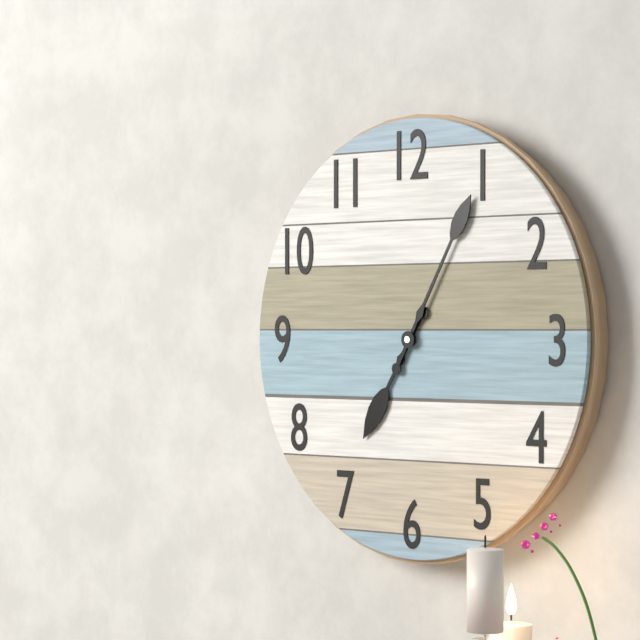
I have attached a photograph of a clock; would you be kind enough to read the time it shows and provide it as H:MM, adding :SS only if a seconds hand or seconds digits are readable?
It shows 7:05
